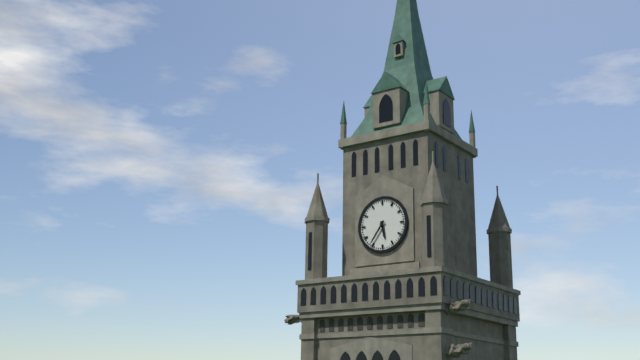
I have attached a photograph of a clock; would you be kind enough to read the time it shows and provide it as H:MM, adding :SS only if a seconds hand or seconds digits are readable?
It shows 5:36
